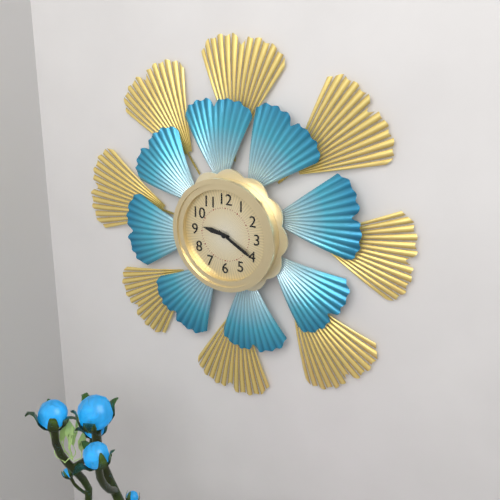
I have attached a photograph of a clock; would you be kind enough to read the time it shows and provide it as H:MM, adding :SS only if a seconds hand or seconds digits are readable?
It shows 9:20
